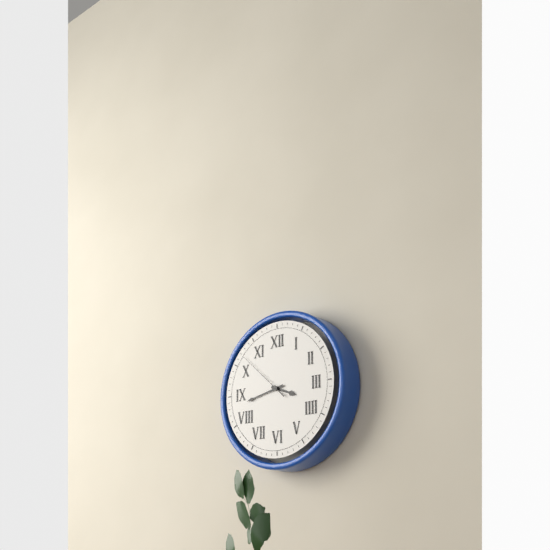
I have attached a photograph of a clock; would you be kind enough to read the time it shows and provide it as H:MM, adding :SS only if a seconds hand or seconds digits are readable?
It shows 3:43:52
